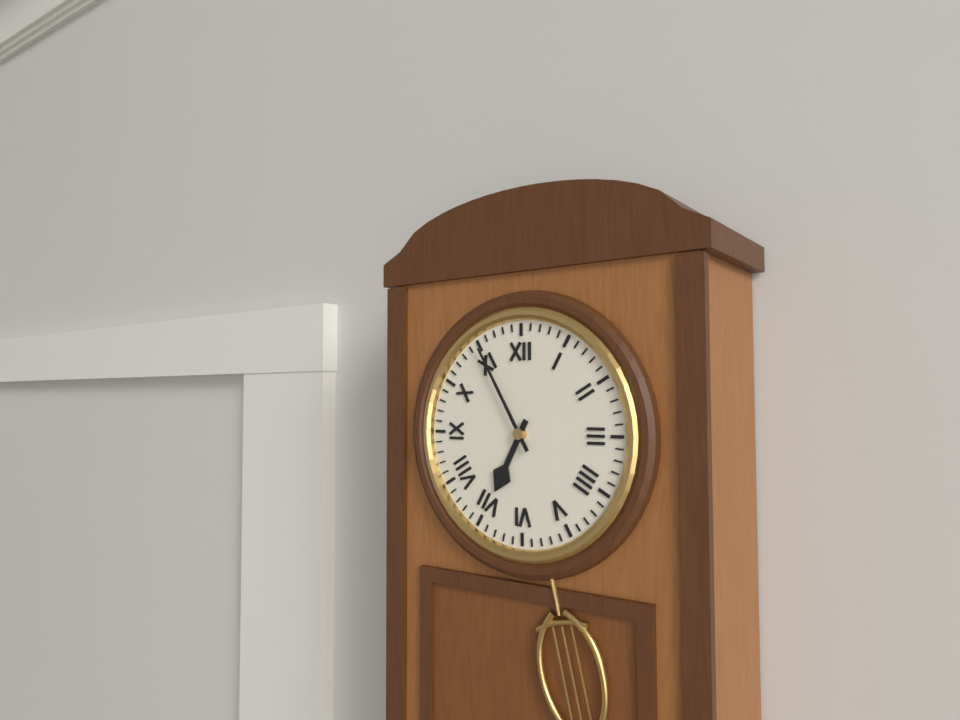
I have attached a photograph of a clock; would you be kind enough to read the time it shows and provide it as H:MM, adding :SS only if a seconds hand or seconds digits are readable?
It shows 6:55
